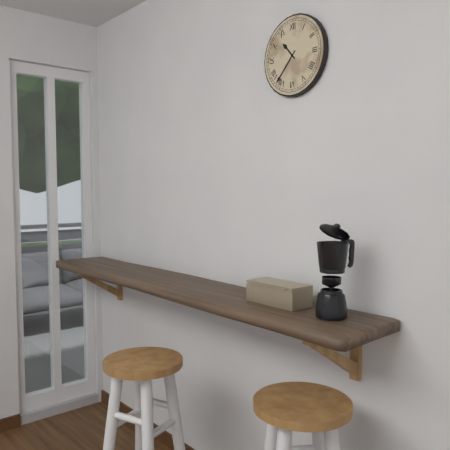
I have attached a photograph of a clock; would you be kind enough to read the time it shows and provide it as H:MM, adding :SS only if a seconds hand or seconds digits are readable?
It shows 10:37
